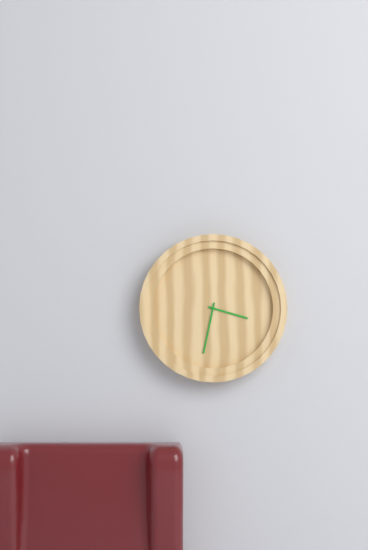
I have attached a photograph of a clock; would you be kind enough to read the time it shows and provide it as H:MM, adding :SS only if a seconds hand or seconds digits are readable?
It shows 3:32
